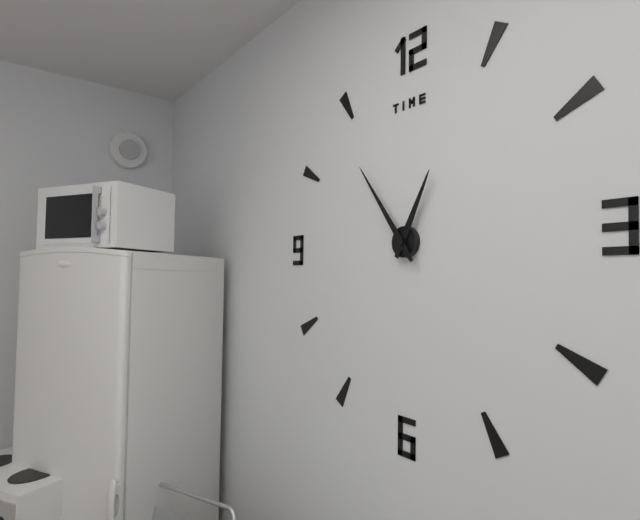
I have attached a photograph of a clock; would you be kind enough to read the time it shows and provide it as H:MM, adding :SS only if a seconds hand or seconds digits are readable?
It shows 12:54
